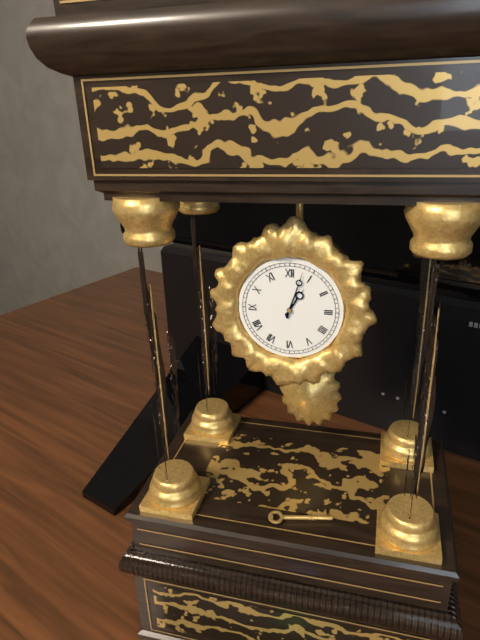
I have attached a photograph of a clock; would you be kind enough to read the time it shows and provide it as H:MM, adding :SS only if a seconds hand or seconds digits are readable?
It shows 1:03
